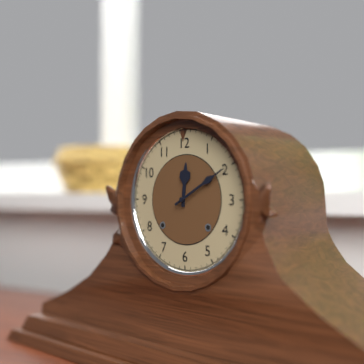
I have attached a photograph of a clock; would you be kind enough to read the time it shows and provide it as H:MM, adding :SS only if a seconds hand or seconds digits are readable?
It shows 12:10
